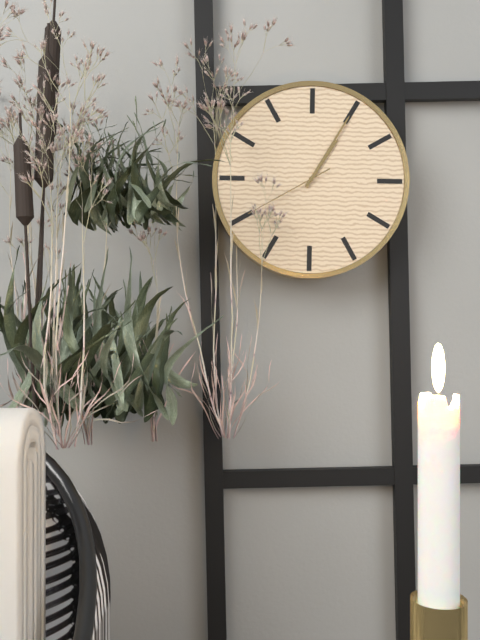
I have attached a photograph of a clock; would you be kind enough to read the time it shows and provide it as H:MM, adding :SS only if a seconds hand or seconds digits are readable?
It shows 1:05:40
